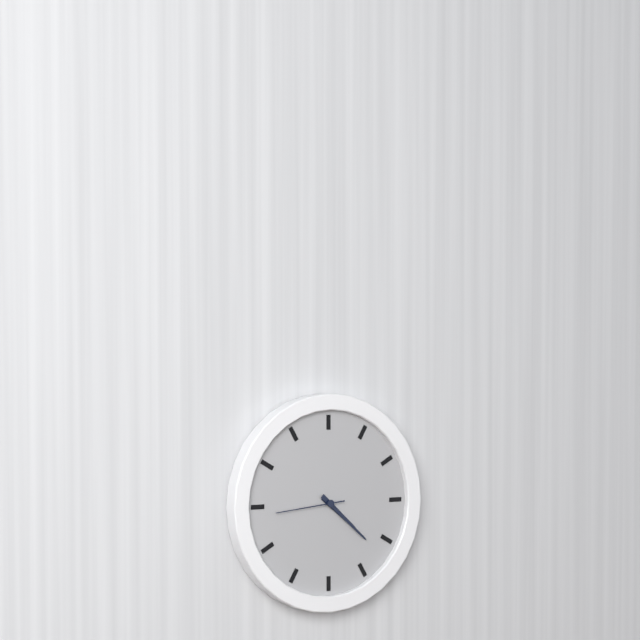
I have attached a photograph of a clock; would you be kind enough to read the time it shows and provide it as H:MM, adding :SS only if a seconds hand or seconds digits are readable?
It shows 4:22:44
